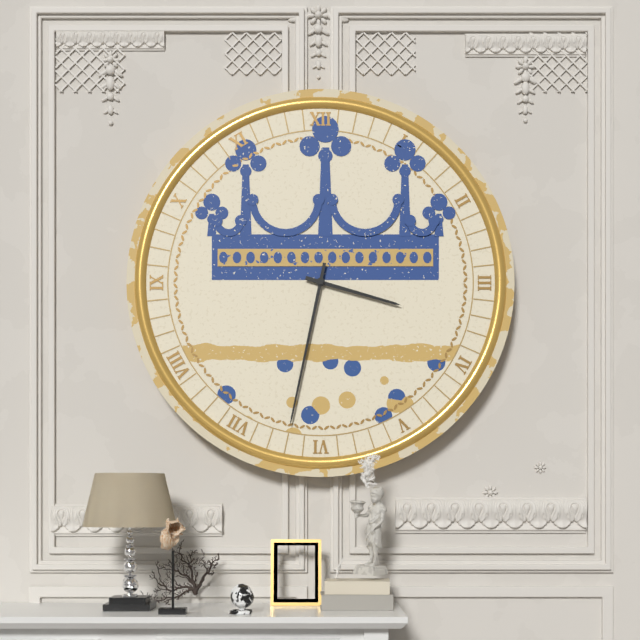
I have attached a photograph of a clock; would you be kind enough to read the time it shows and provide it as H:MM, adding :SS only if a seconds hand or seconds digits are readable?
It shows 3:32
